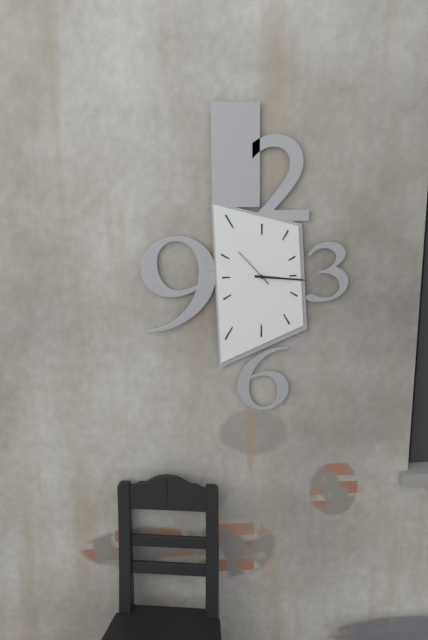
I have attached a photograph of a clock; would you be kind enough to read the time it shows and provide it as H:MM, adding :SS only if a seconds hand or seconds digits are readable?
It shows 3:16
